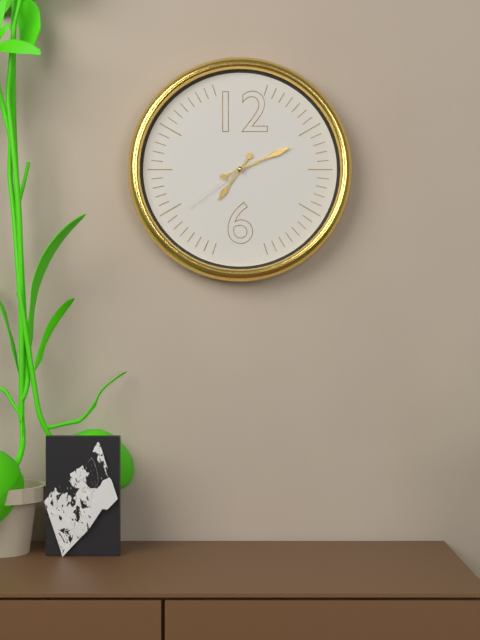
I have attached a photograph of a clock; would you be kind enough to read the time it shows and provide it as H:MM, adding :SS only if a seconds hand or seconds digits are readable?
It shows 7:11:39
